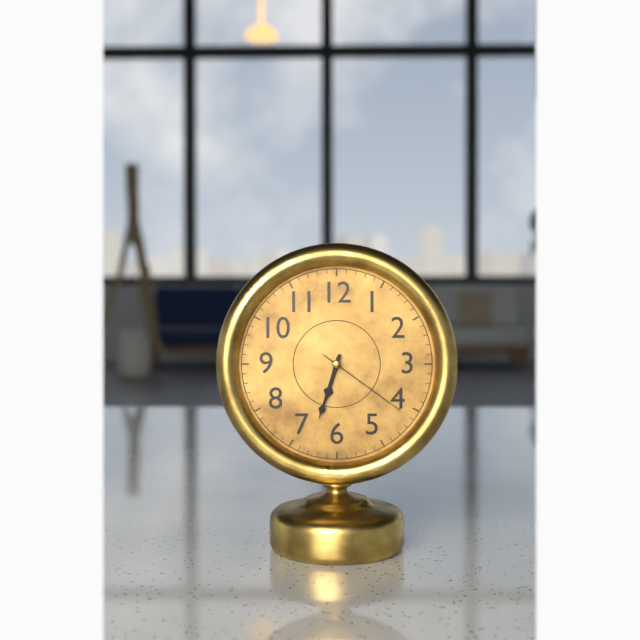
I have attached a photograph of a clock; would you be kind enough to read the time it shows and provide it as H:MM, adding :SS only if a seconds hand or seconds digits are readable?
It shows 6:33:21
